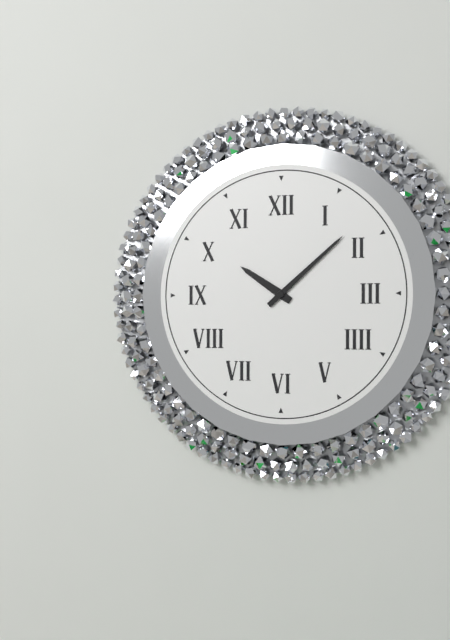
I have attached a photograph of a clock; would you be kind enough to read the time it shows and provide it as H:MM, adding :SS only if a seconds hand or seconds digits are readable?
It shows 10:08
